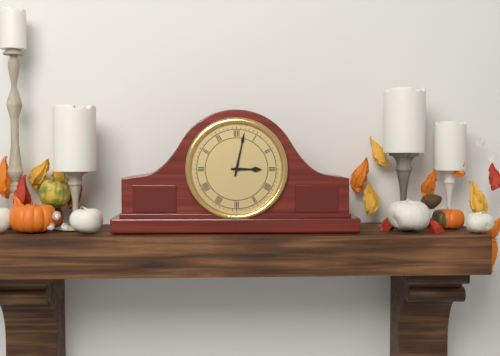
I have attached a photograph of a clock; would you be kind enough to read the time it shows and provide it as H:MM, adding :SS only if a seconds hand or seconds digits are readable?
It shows 3:02
